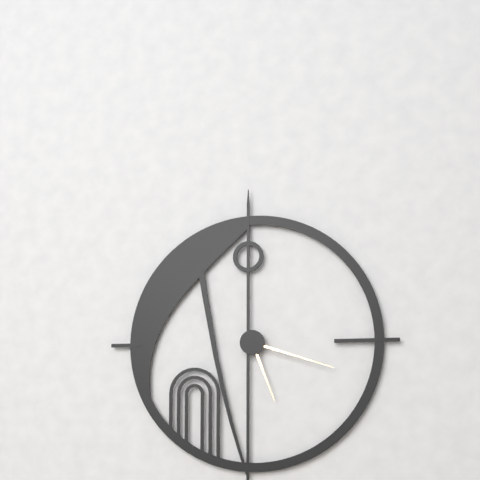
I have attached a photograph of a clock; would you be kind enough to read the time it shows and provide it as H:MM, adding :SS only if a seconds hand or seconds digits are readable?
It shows 5:18
